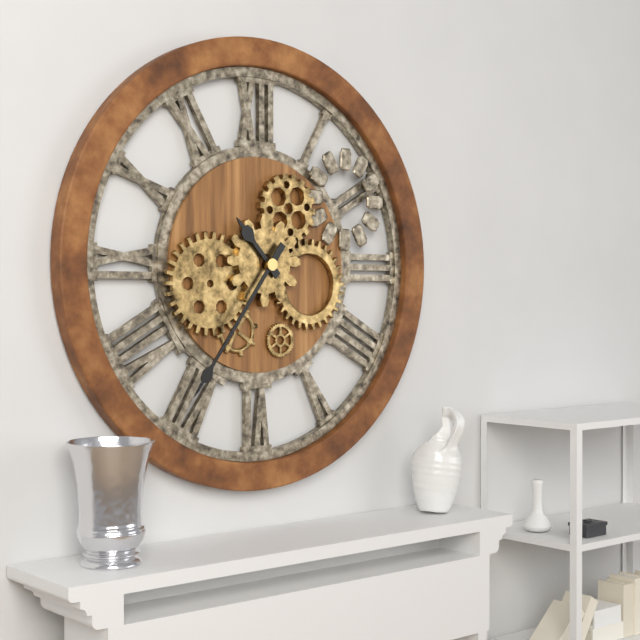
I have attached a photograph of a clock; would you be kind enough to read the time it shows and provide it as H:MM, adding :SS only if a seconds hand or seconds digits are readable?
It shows 10:36
